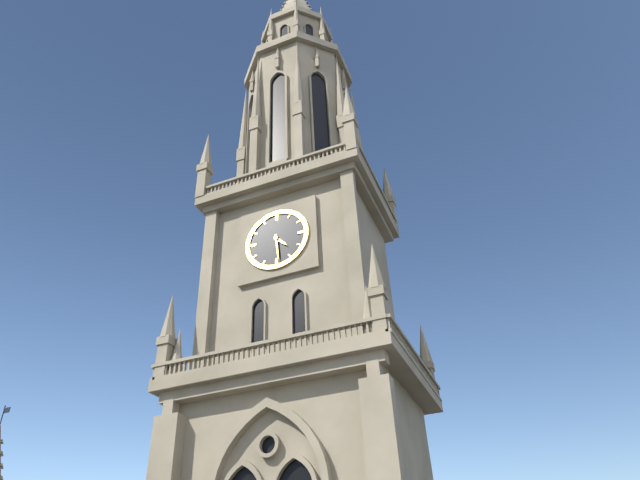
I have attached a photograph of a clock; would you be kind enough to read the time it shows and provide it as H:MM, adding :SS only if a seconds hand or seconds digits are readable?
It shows 4:29
